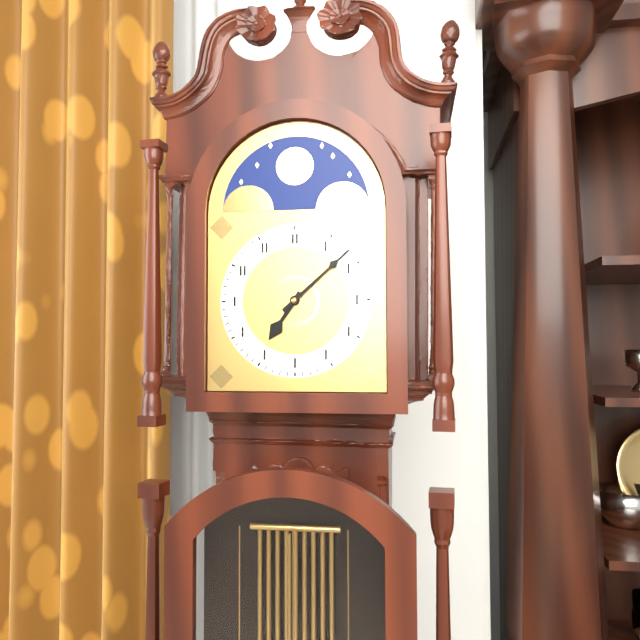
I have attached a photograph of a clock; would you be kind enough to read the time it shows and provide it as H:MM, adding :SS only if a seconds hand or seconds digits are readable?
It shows 7:08
